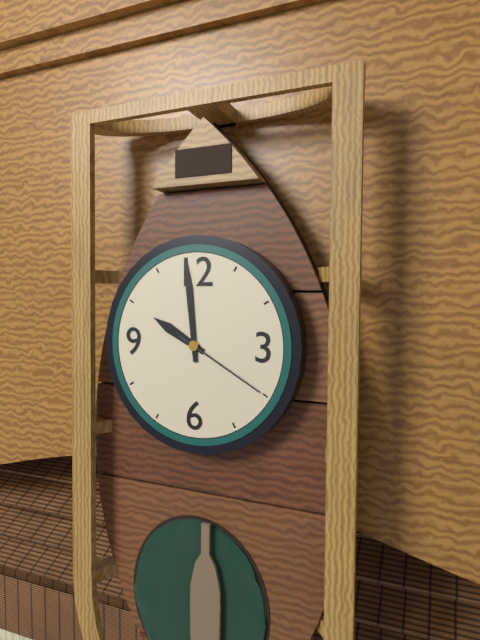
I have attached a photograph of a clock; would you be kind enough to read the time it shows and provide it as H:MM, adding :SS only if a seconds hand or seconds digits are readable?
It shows 9:59:20
